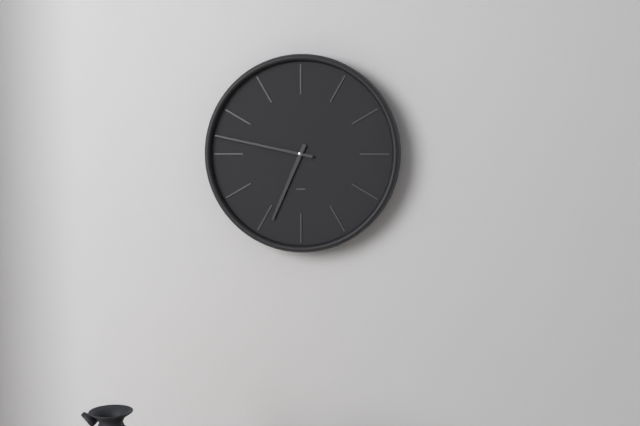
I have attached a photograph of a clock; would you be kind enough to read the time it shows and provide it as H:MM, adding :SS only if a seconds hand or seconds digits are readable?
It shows 6:47
